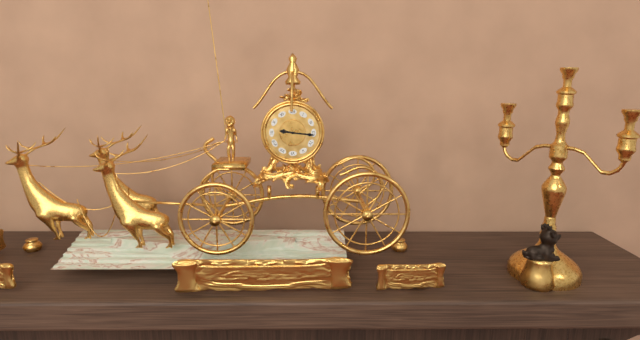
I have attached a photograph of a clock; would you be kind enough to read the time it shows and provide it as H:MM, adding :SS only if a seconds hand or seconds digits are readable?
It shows 9:16
